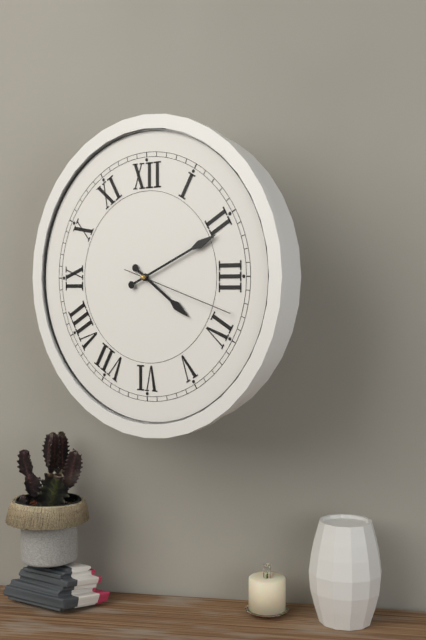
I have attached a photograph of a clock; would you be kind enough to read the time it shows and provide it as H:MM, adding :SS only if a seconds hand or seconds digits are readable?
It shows 4:11:18
